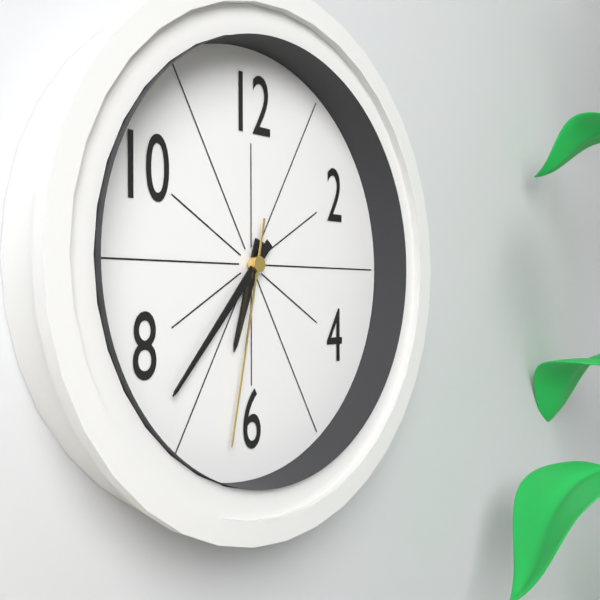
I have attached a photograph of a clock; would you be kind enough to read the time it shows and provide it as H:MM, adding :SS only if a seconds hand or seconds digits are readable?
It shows 6:37:32
